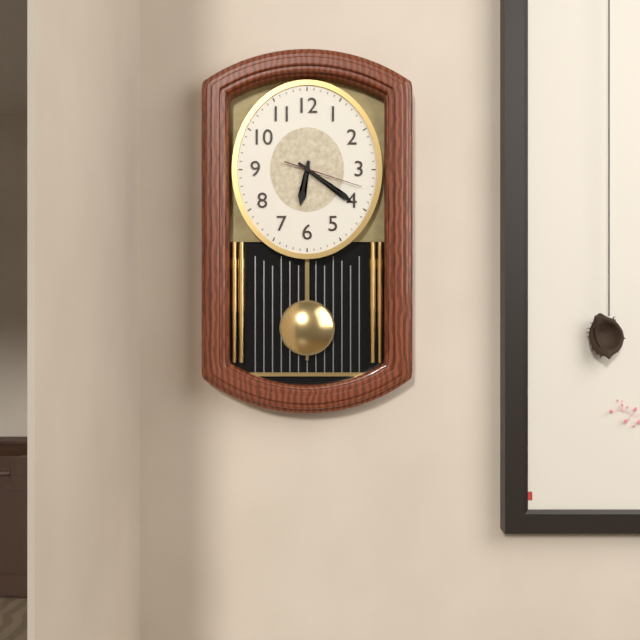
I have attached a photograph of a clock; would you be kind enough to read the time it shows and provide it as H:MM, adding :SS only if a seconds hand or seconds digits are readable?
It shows 6:21:18
